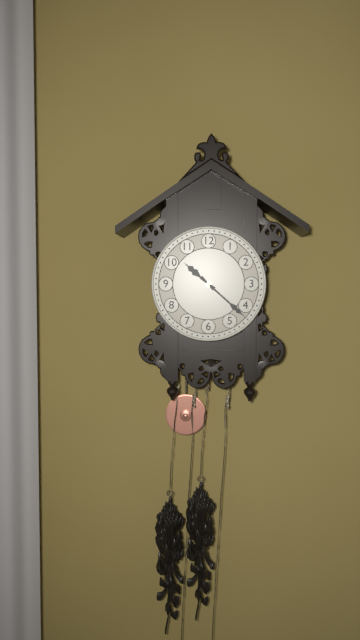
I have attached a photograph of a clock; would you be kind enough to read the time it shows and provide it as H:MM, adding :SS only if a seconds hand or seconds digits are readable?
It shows 10:22
